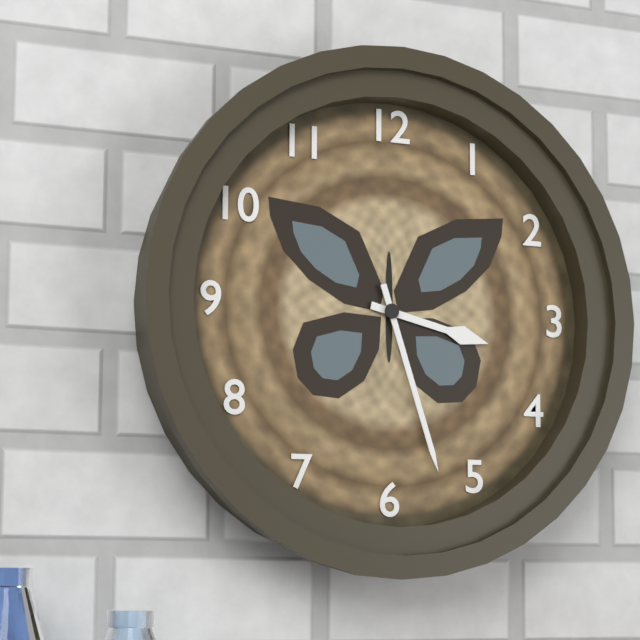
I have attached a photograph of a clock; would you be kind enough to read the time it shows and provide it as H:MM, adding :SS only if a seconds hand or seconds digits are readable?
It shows 3:27
